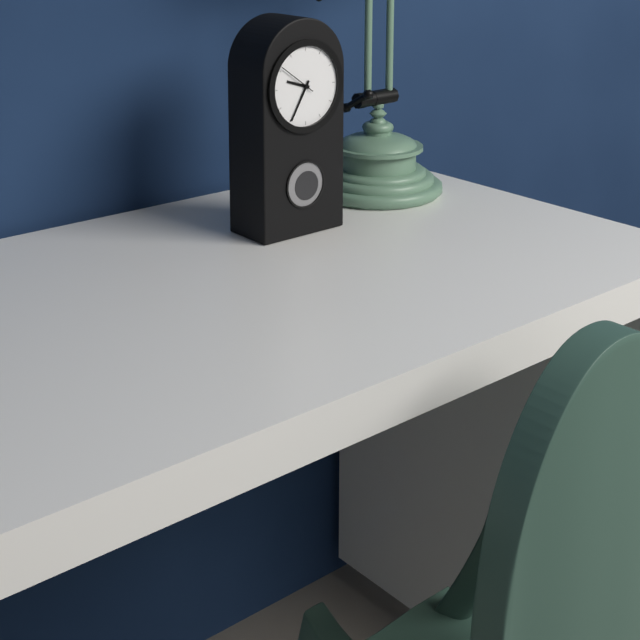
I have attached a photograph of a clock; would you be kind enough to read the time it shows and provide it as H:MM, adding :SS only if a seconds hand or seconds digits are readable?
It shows 9:35
